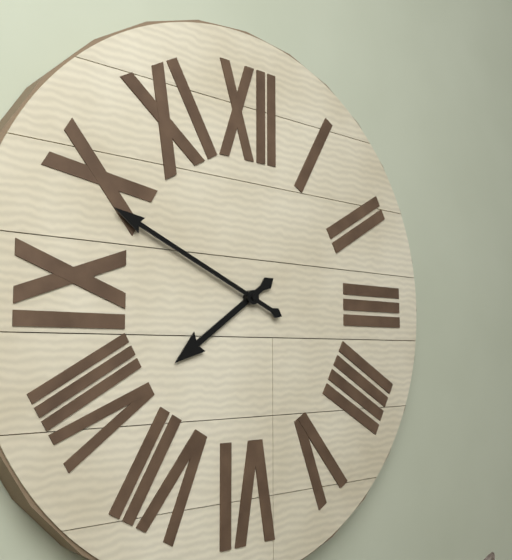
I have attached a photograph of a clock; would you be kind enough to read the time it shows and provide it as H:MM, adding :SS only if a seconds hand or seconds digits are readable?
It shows 7:49
